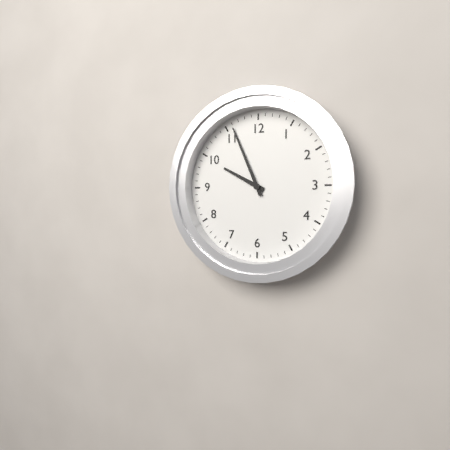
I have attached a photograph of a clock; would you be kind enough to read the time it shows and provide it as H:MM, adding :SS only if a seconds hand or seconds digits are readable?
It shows 9:56
